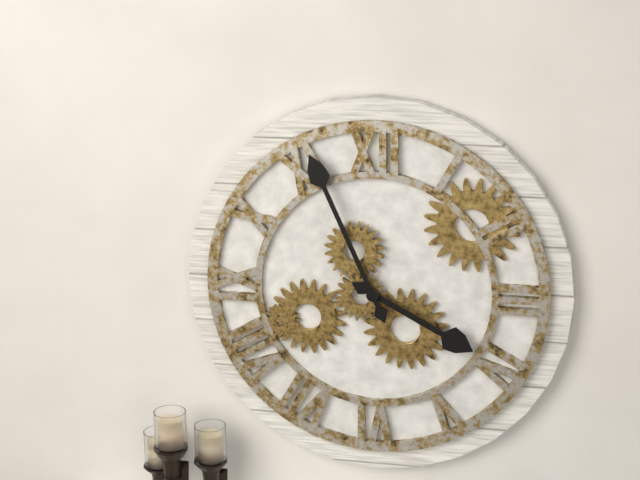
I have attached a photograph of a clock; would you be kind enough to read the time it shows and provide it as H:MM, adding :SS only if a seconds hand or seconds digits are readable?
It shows 3:56
